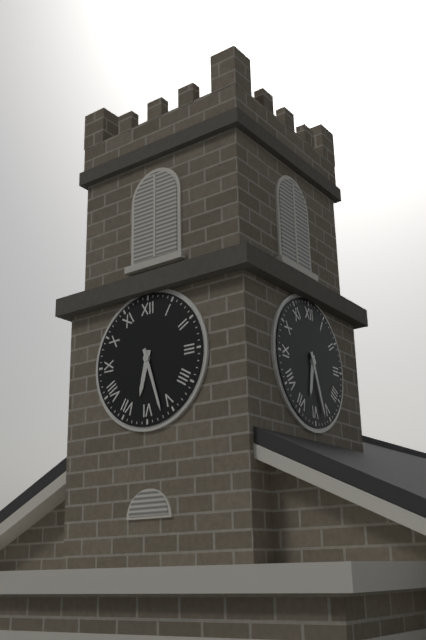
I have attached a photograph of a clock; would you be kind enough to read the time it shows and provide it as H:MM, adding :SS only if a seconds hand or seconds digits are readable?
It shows 6:27
